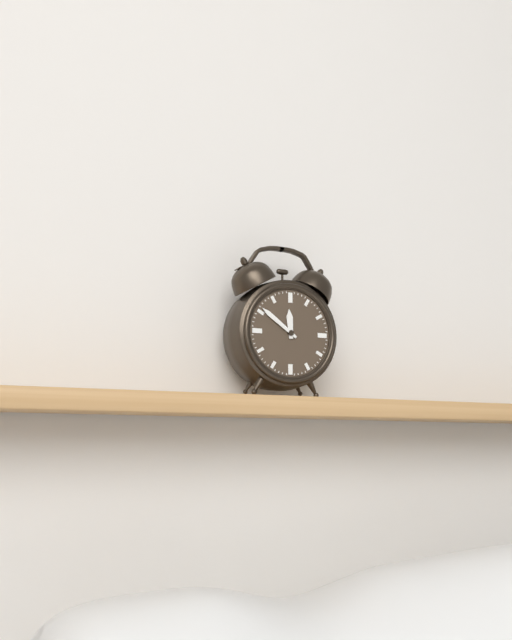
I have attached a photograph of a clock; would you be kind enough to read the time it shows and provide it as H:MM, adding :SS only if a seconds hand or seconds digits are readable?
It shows 11:51
